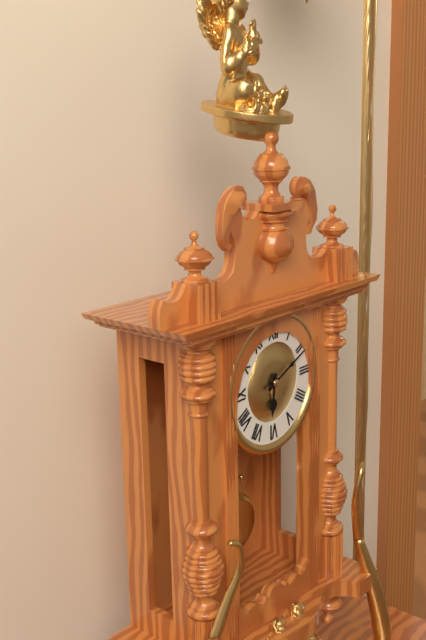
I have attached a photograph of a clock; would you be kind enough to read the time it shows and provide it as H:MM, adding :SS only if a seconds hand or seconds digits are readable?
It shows 6:11
